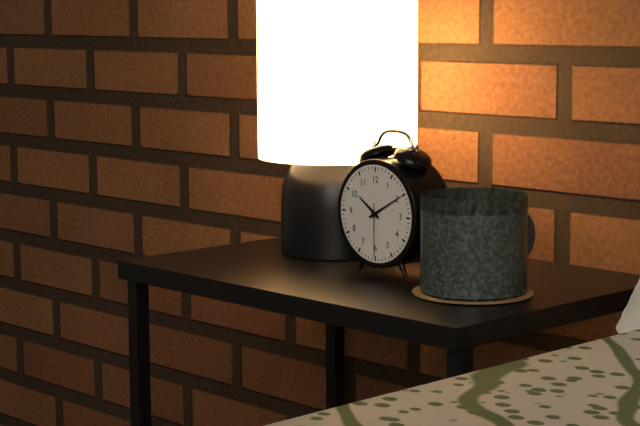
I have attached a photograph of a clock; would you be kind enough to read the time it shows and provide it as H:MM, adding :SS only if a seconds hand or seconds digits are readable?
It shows 10:10:30
